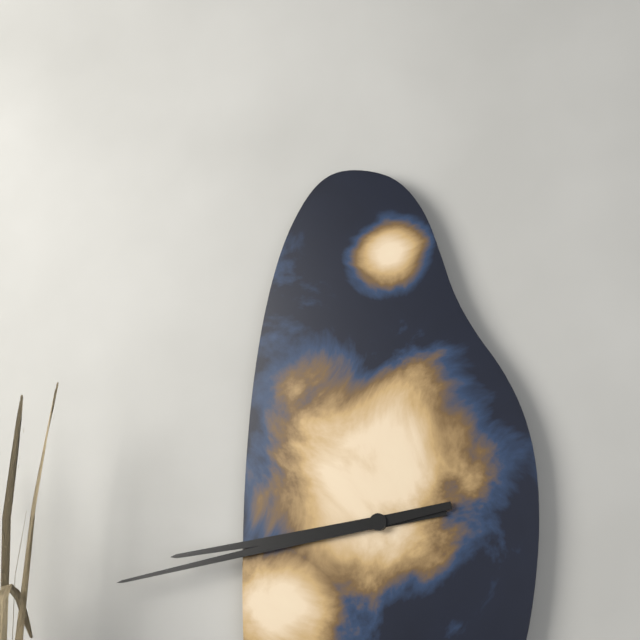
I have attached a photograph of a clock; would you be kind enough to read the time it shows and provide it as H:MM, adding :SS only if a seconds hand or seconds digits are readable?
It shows 8:43
